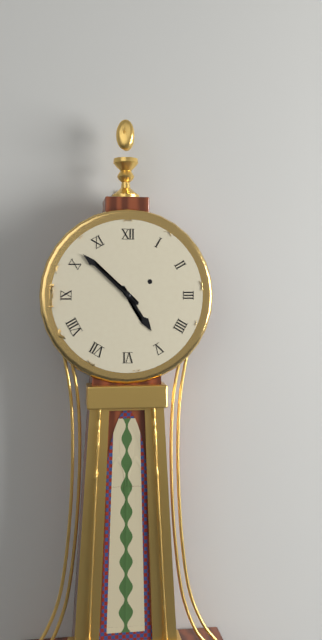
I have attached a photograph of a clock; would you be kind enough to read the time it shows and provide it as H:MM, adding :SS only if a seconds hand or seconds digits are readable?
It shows 4:52
